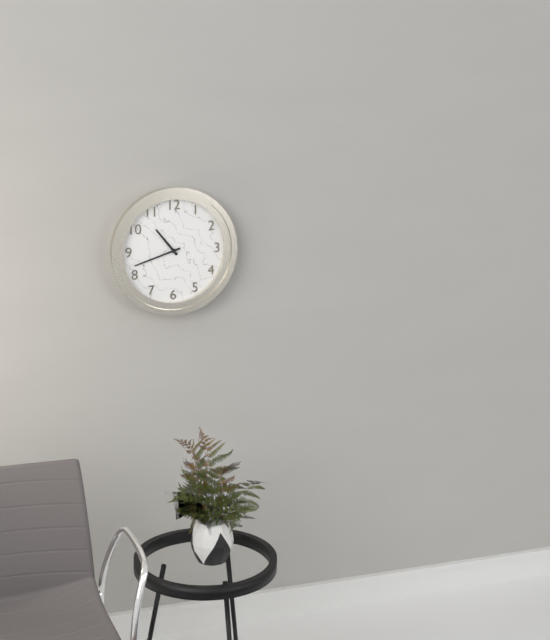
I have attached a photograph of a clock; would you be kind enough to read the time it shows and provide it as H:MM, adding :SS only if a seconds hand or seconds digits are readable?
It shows 10:42
